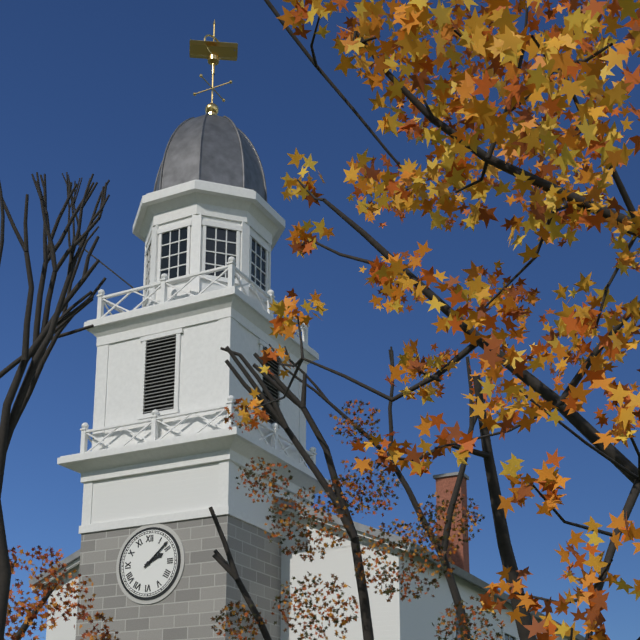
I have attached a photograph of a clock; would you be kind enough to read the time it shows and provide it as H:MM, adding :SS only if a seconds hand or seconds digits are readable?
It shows 2:08
